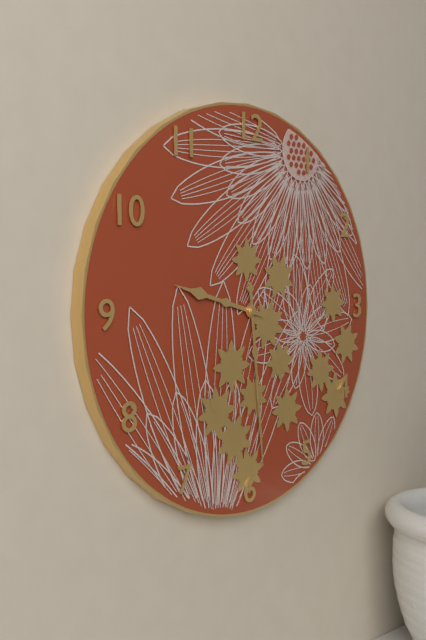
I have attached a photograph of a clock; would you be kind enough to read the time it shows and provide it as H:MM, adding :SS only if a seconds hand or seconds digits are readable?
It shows 9:29
